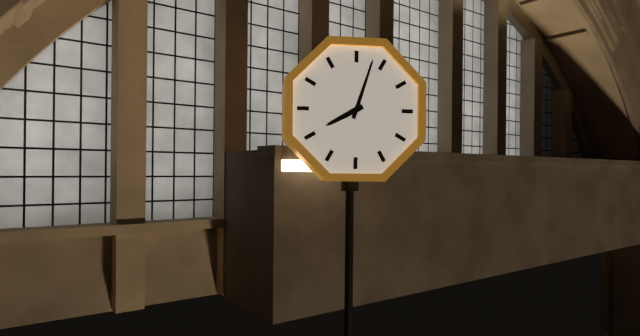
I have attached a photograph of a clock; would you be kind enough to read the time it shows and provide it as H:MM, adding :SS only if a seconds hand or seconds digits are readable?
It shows 8:03
